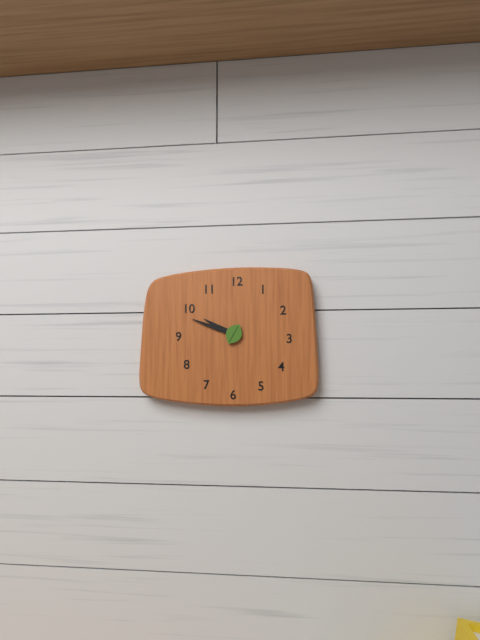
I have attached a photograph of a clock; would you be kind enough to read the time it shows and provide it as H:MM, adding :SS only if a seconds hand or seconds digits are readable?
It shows 9:48
